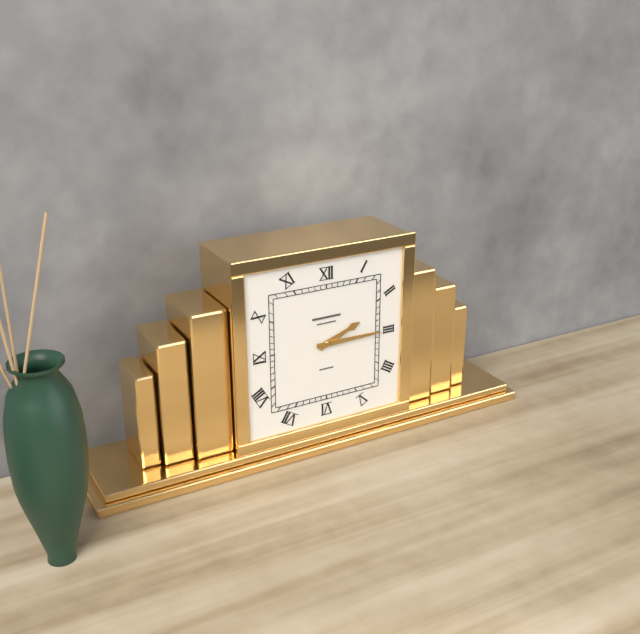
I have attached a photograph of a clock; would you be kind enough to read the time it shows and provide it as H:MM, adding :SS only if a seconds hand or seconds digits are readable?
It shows 2:15
